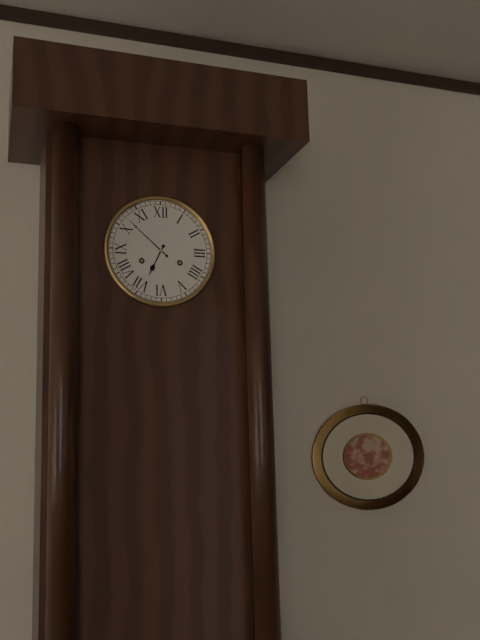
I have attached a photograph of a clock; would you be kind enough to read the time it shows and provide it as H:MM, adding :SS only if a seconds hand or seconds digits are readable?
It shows 6:52
